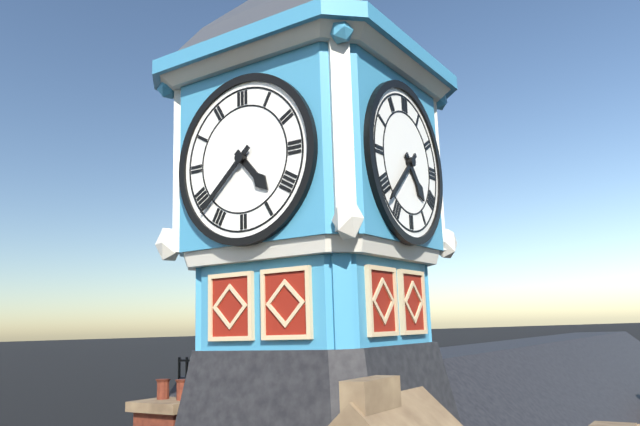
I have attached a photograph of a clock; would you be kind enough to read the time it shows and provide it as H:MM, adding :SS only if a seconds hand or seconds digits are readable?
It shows 4:38
